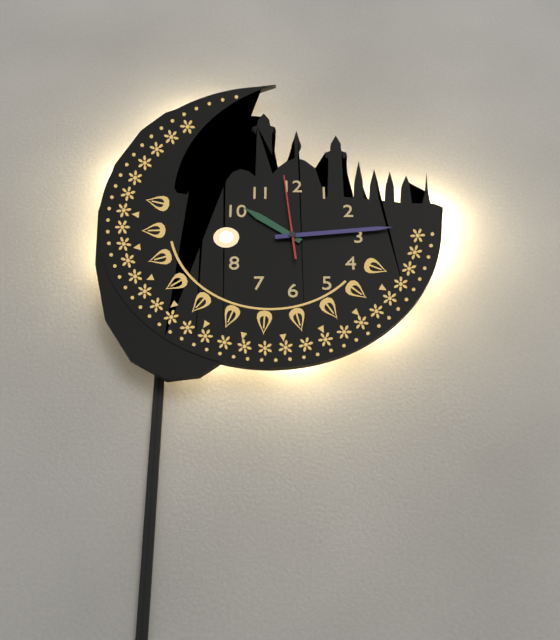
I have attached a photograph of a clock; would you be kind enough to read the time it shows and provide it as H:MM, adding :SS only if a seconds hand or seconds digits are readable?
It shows 10:14:59
